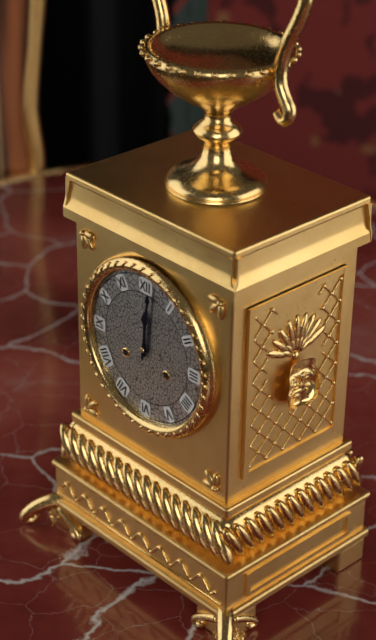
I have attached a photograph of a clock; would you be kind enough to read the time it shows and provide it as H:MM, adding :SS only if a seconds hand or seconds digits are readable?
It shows 12:01
